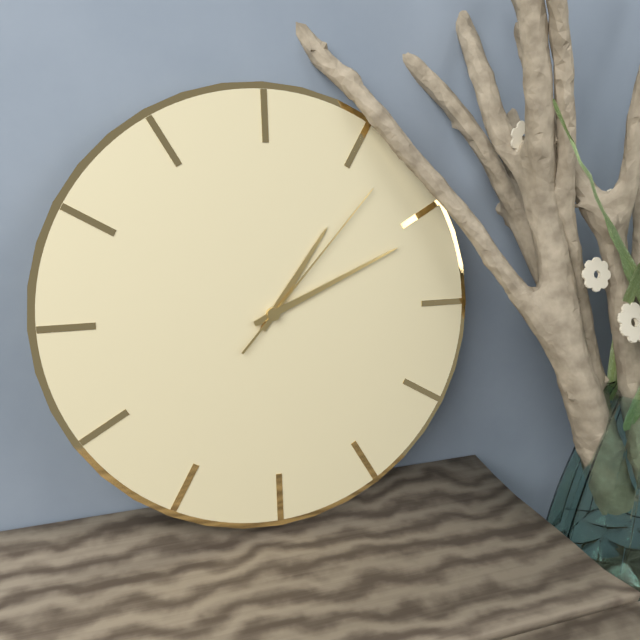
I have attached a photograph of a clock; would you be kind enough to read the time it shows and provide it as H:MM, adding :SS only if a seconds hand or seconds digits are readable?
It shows 1:11:07
